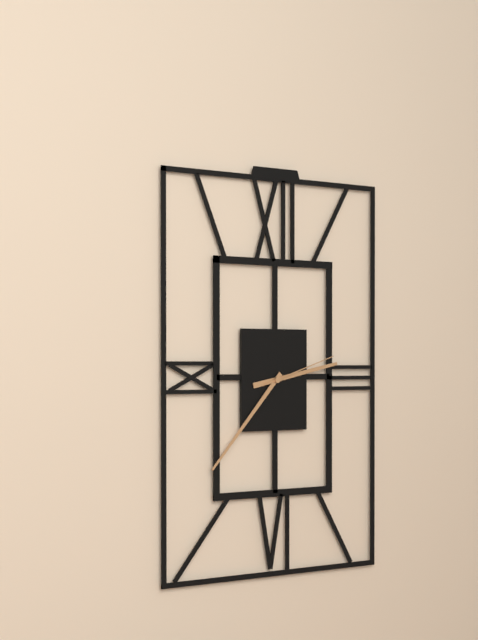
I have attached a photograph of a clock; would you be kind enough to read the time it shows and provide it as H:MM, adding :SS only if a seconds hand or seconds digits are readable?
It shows 2:37:12
